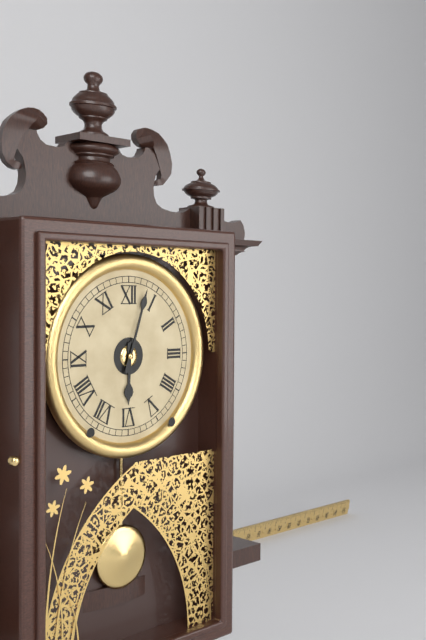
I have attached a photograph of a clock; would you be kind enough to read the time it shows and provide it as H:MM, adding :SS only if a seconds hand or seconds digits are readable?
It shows 6:03
